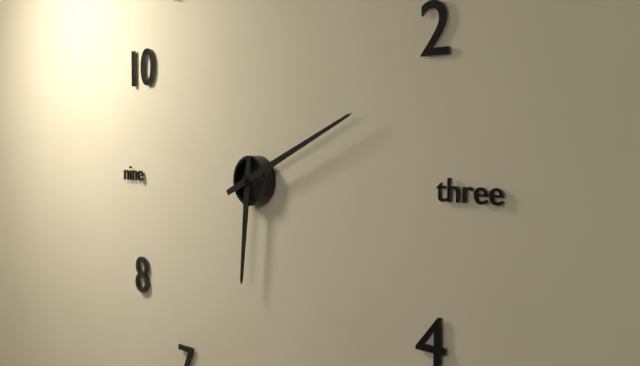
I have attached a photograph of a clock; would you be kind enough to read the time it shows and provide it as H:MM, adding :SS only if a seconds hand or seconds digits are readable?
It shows 6:11
